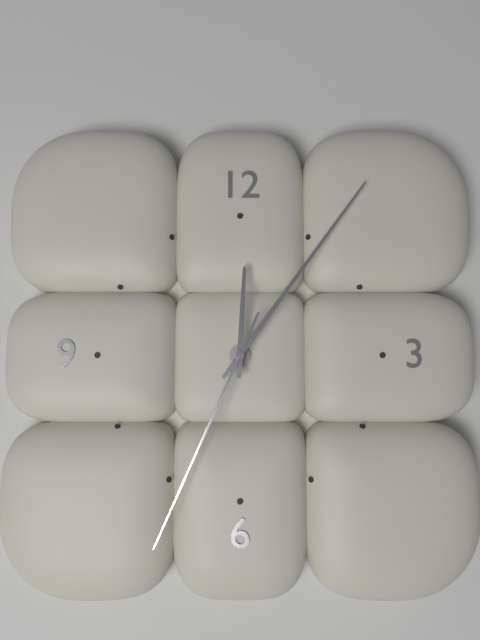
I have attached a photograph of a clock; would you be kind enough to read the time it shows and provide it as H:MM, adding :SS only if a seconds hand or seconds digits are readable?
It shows 12:06:34
